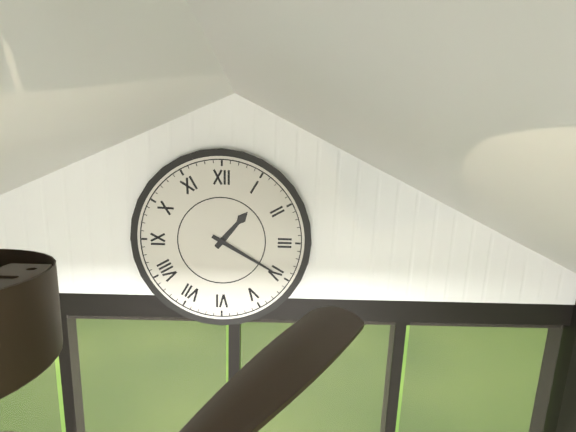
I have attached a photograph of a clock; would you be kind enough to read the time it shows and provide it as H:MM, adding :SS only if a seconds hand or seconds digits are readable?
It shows 1:20
